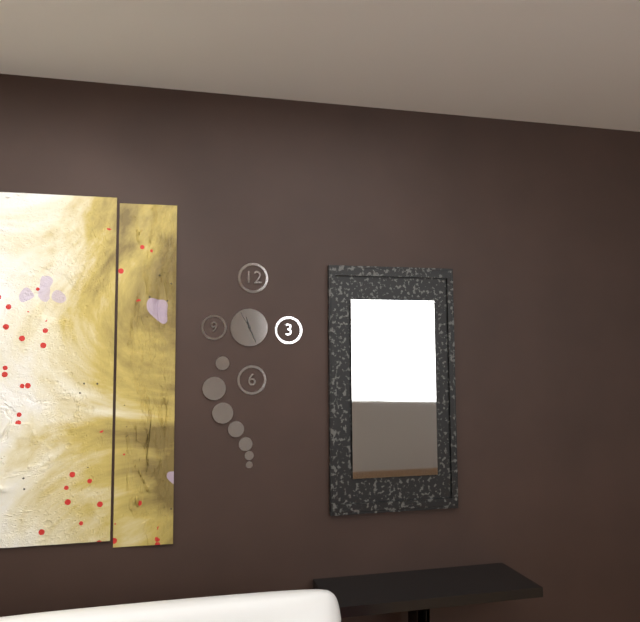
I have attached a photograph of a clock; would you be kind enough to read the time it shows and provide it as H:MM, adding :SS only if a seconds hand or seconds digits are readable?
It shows 11:26
